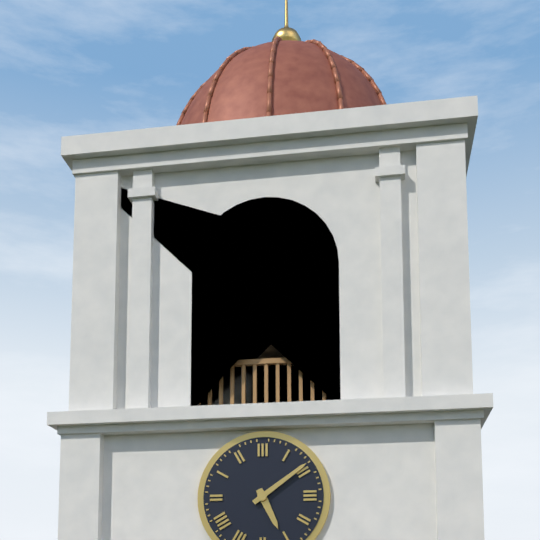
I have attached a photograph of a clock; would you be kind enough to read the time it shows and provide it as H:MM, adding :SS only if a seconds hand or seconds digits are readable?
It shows 5:09
